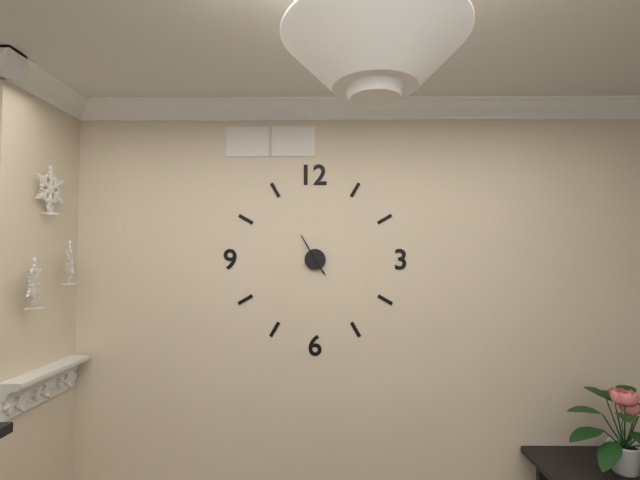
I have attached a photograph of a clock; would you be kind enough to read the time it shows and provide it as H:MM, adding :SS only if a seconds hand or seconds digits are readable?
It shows 4:55
